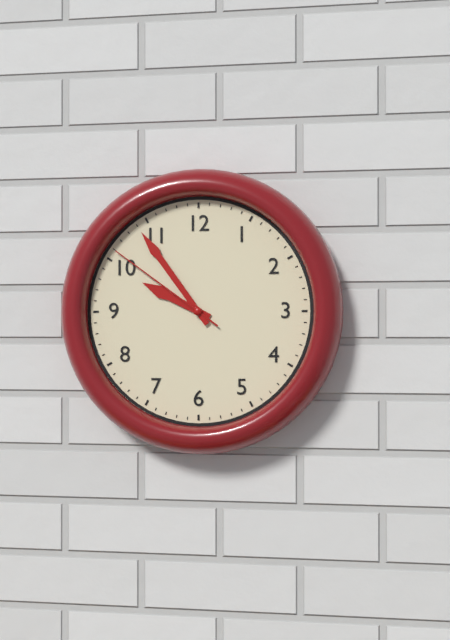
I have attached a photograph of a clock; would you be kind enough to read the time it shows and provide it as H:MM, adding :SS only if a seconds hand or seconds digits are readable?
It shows 9:54:51
